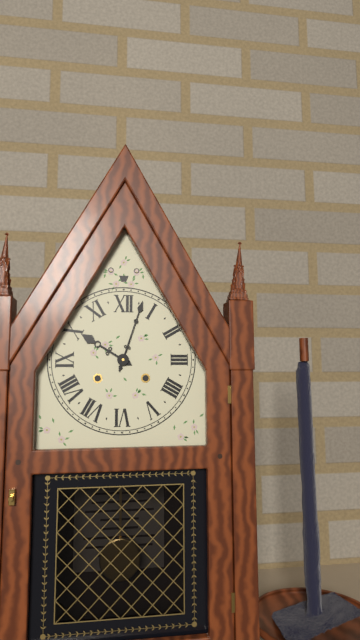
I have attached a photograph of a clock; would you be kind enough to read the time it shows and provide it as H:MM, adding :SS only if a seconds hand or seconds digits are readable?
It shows 10:03
